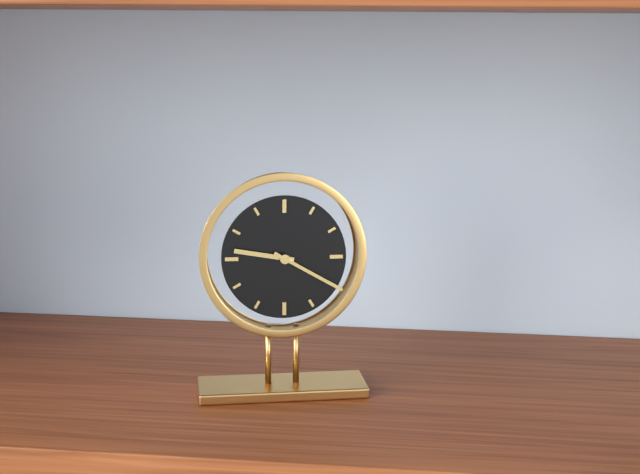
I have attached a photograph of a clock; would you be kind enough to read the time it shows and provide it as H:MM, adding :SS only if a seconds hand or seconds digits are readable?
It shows 9:20
